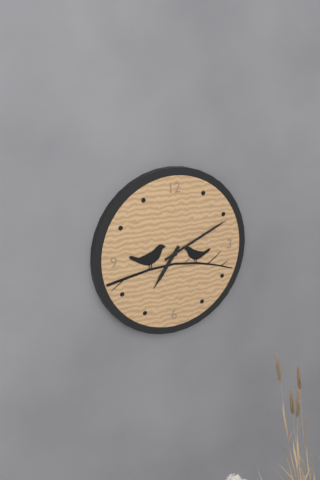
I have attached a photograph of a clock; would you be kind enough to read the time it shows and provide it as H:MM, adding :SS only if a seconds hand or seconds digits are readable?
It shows 7:11
